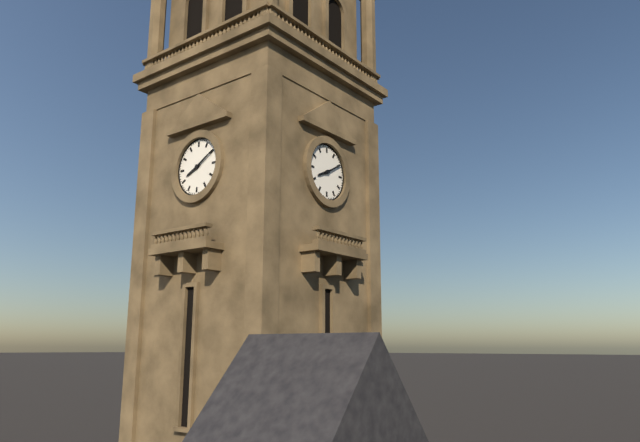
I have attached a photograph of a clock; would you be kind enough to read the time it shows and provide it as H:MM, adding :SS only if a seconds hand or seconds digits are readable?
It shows 8:10
